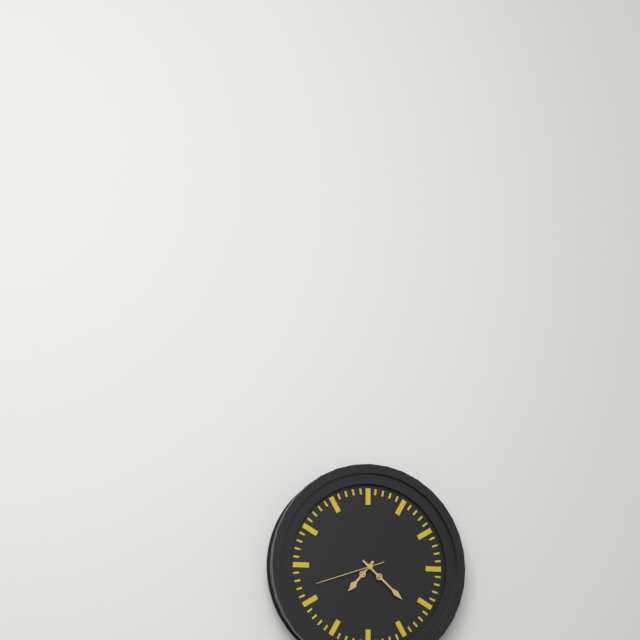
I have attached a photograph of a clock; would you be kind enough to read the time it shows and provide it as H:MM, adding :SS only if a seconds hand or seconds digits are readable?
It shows 7:22:42
